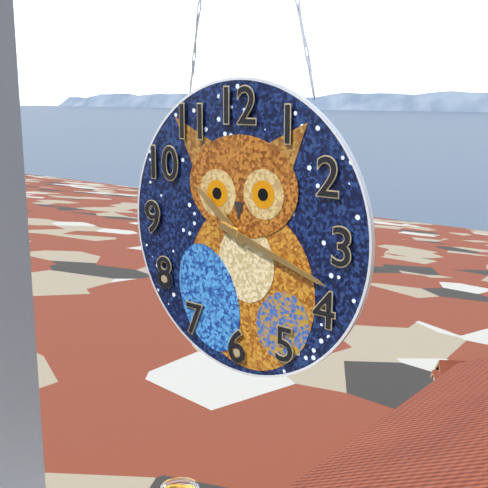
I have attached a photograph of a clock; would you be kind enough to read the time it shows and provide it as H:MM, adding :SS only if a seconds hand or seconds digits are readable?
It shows 10:18
